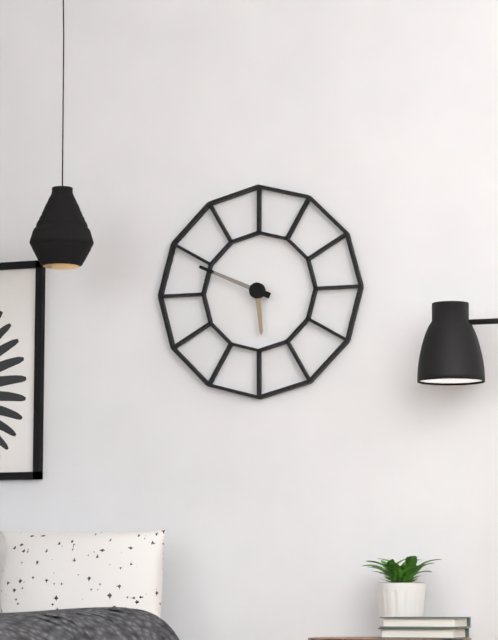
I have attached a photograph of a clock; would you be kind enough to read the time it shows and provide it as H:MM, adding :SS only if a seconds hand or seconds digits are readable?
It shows 5:49
